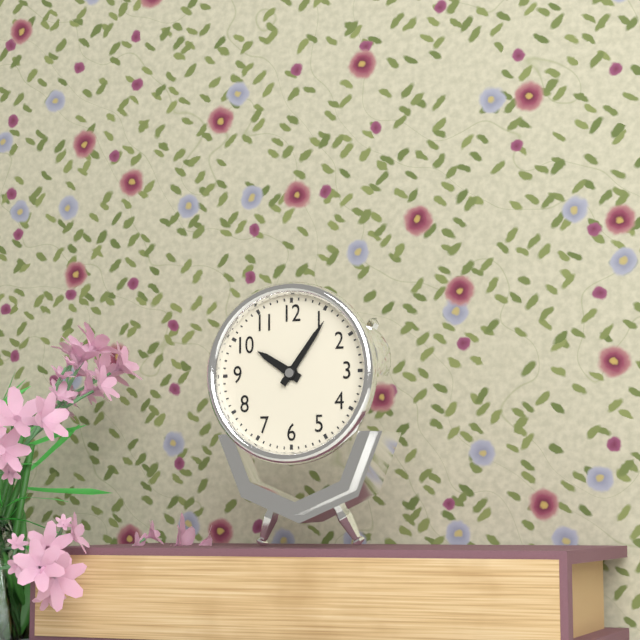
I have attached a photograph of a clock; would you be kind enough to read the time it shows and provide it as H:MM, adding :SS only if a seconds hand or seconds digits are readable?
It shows 10:06
